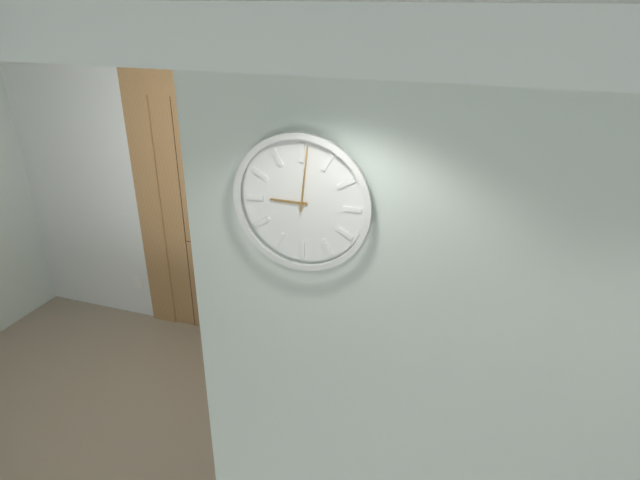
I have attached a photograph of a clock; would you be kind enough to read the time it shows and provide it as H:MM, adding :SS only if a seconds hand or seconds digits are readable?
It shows 9:01
